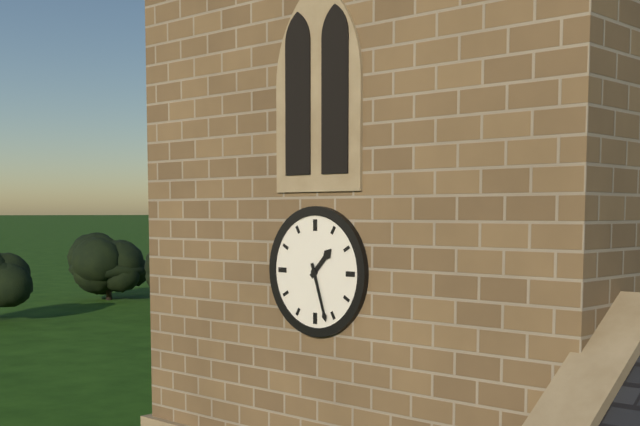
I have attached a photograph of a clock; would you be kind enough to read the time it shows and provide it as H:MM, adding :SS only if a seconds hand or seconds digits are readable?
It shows 1:27
